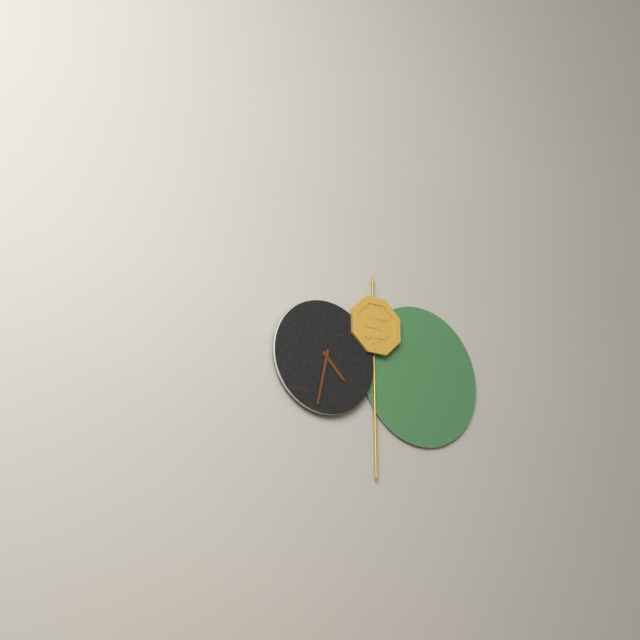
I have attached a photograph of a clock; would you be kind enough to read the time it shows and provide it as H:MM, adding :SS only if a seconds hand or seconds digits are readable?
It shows 4:32
